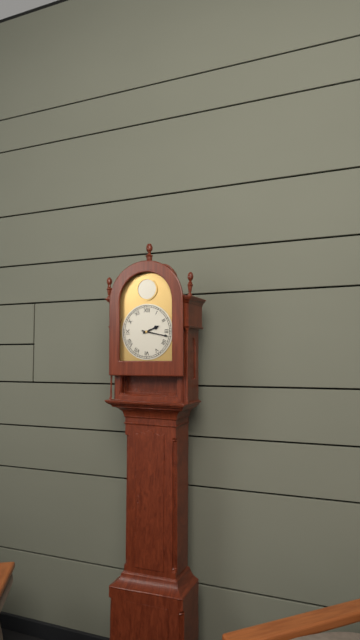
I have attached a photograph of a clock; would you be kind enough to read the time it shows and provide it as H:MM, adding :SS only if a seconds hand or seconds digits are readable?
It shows 2:17
